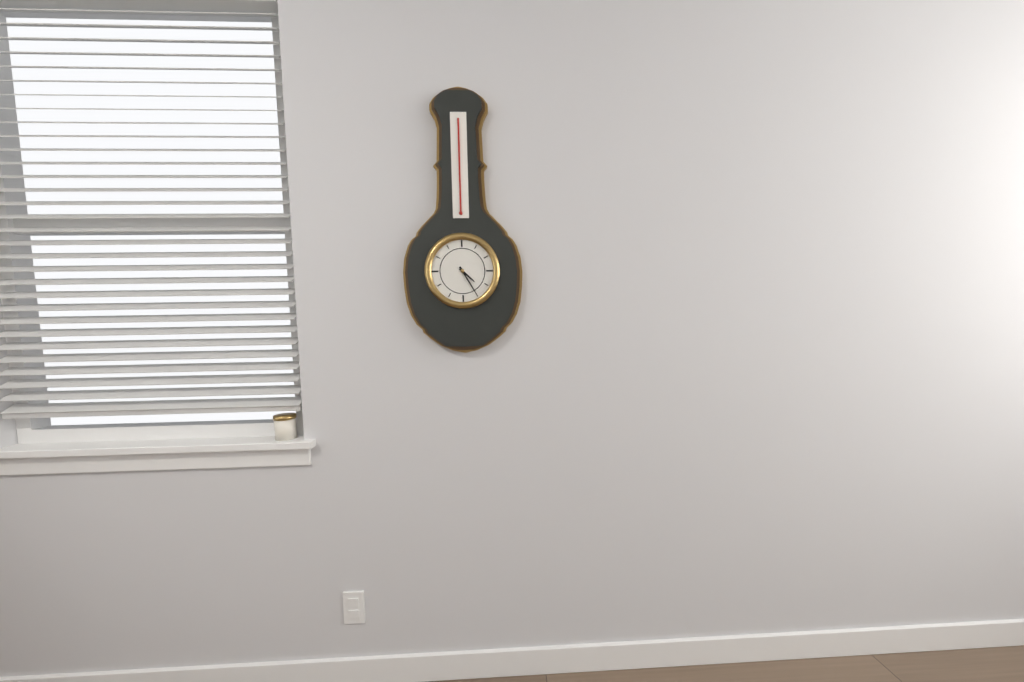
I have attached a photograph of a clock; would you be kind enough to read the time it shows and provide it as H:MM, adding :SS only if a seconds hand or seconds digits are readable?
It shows 4:25
